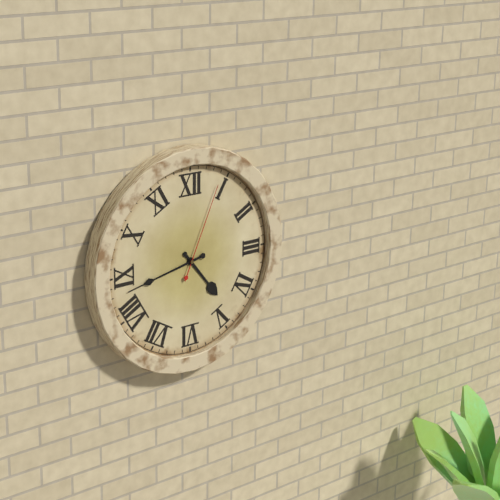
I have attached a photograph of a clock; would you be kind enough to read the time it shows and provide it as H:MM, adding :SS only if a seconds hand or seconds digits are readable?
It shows 4:43:04
